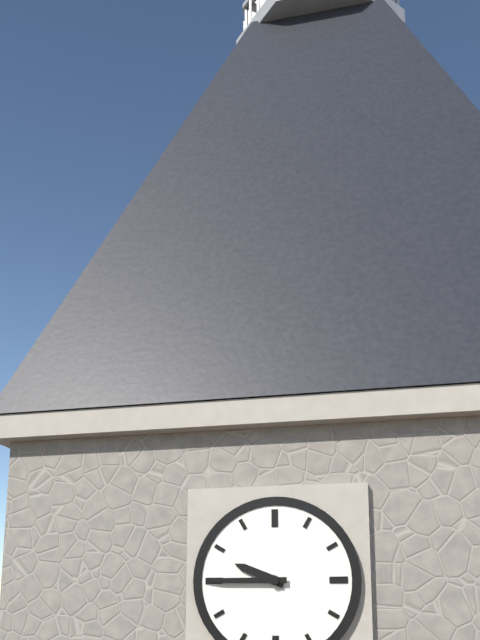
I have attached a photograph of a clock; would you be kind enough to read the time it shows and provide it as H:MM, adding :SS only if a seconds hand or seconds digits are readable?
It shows 9:45
